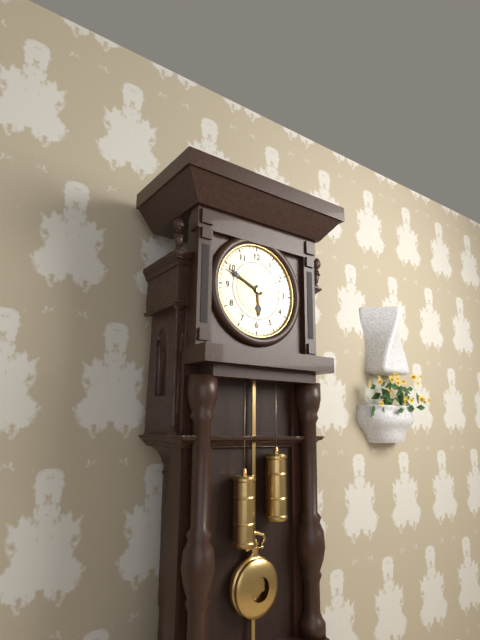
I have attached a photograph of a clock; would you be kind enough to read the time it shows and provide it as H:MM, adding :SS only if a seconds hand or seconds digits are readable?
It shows 5:49
